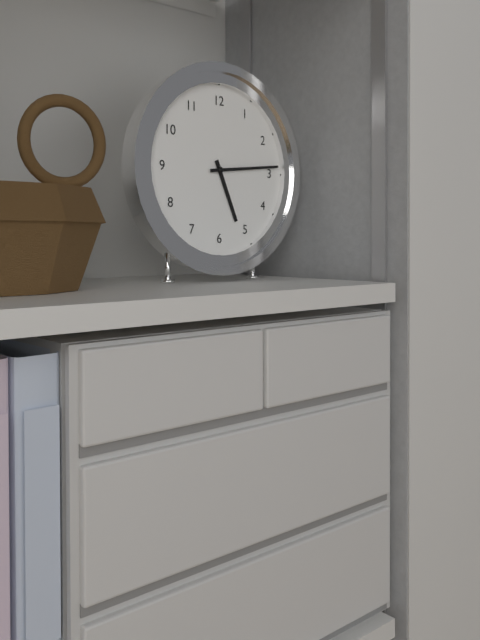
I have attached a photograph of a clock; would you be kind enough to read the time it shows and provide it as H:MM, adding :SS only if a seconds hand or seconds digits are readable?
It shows 5:14
